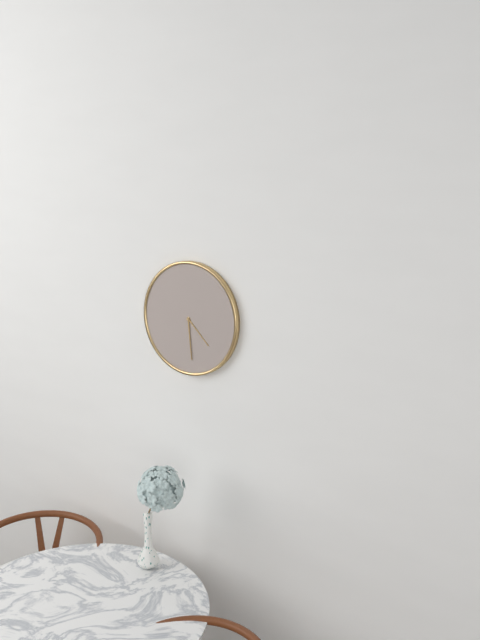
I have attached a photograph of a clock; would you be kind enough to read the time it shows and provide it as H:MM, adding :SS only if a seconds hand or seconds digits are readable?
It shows 4:29
